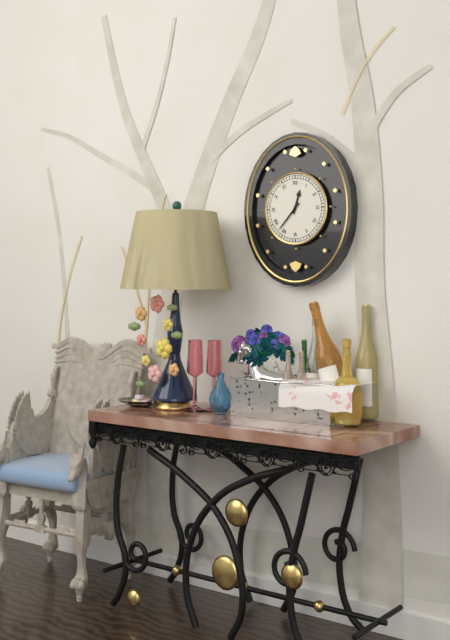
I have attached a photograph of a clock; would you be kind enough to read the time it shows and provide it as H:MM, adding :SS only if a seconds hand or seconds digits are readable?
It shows 12:37
